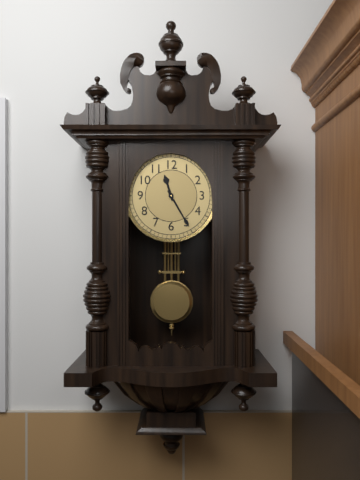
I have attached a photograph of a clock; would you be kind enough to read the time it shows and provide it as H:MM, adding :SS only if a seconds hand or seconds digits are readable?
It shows 11:25
